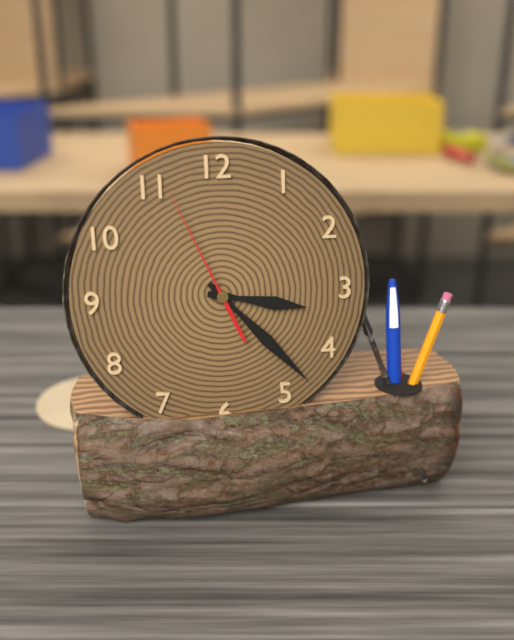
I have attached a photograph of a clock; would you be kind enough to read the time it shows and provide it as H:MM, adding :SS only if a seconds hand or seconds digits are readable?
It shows 3:23:56
